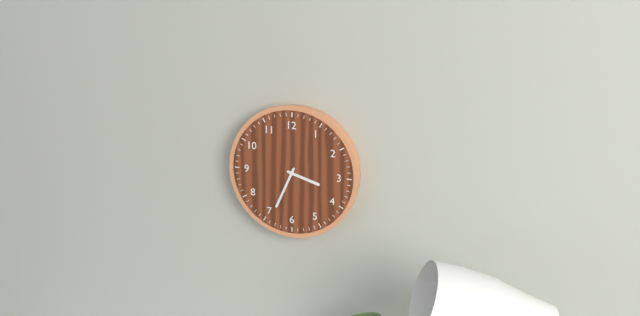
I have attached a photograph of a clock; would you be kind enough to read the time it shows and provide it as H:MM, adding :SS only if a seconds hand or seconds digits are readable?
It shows 3:34
